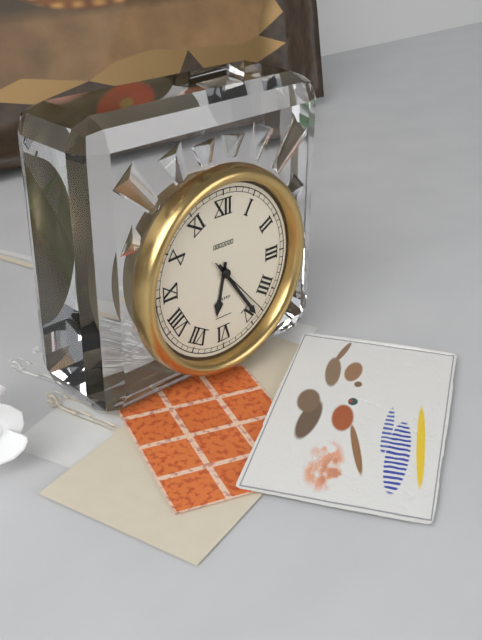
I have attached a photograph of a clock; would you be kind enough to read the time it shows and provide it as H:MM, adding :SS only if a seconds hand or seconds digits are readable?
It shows 6:24:23
